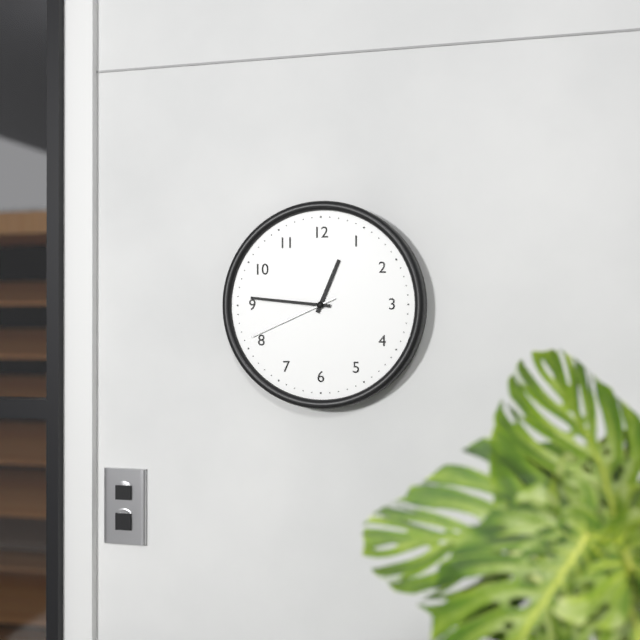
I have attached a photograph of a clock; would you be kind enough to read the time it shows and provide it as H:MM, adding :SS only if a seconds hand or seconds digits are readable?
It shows 12:46:41
